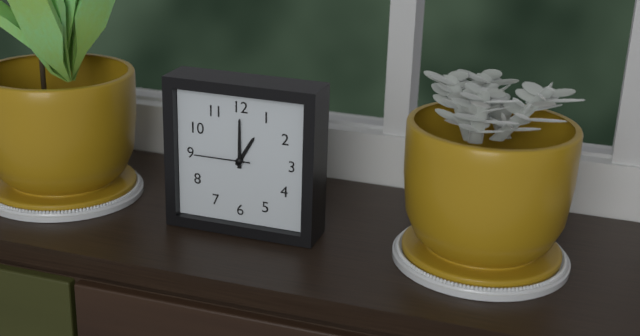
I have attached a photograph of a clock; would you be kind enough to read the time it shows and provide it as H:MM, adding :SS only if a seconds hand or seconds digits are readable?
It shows 1:00:45
